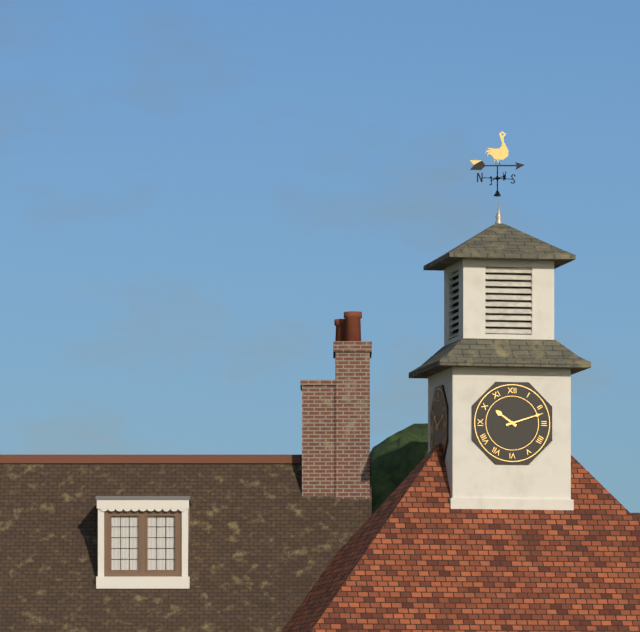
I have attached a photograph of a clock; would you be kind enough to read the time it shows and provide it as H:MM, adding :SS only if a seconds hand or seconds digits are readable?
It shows 10:12
